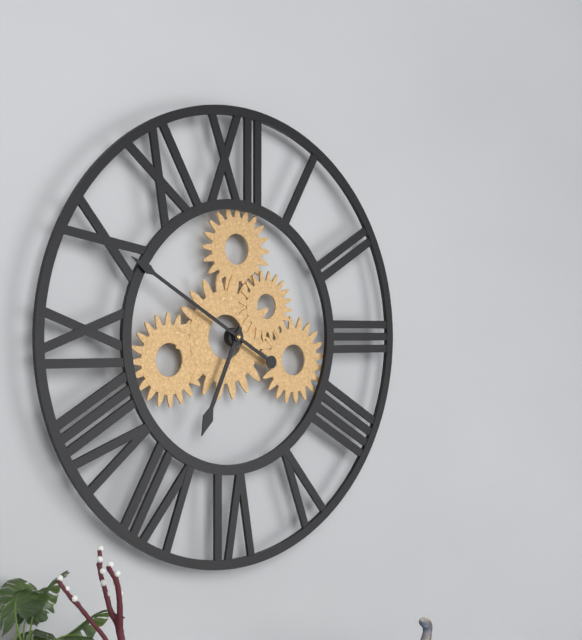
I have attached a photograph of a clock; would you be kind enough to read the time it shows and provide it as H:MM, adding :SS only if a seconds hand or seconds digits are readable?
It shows 6:50
